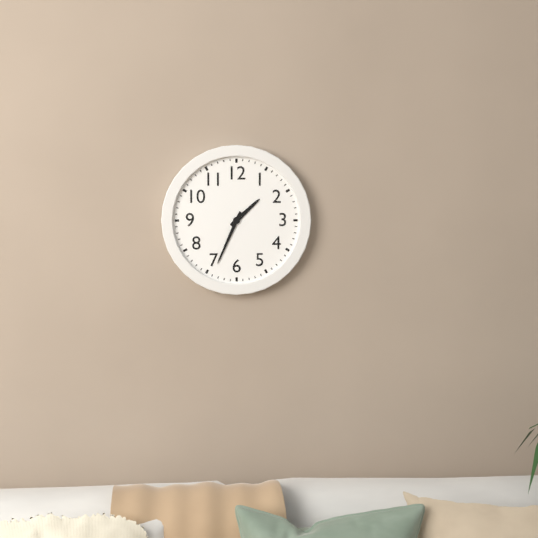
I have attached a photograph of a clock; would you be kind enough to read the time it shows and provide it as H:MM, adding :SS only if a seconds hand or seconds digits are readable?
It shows 1:34
